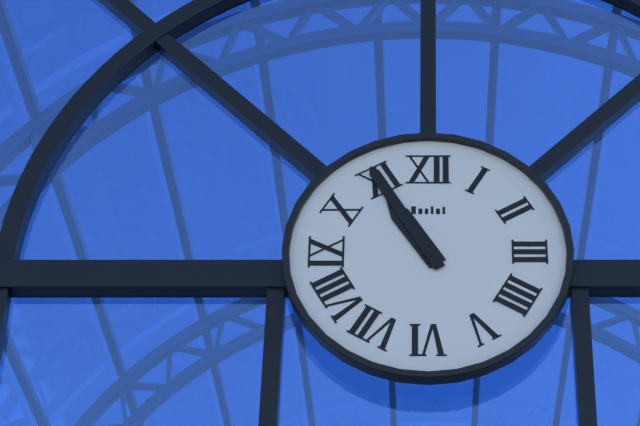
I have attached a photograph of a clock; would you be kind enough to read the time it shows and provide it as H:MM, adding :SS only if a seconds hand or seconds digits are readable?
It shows 10:55
